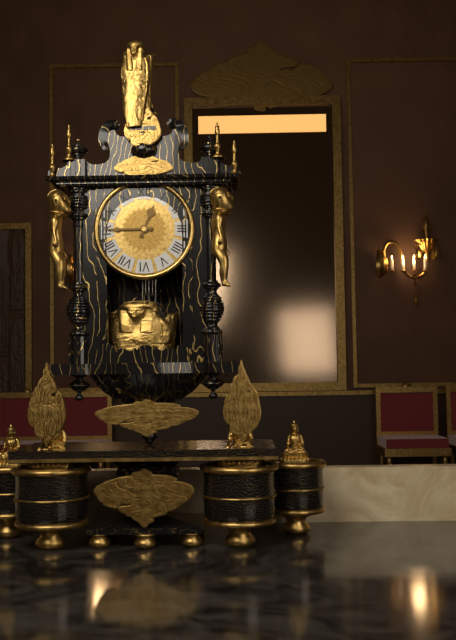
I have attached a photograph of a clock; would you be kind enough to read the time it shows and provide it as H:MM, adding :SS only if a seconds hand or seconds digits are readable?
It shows 12:45
